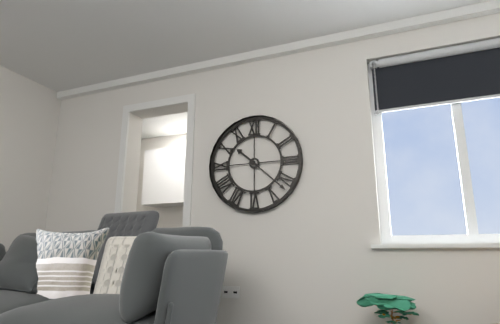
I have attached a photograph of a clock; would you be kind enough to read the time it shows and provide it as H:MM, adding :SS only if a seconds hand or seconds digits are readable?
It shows 10:22
